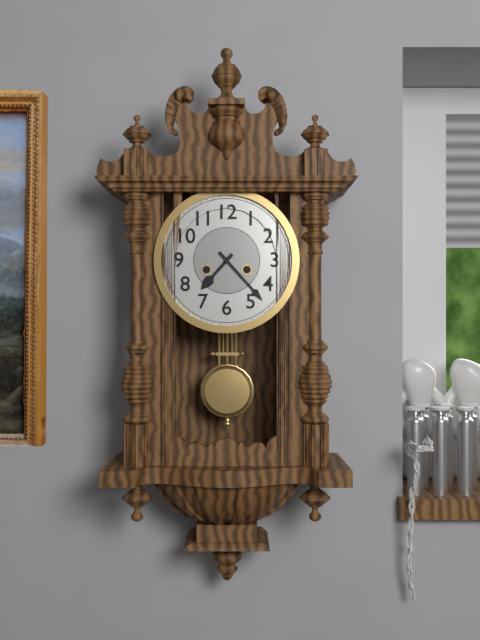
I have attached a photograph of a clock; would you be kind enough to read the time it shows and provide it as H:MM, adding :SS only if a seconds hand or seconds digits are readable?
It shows 7:23
